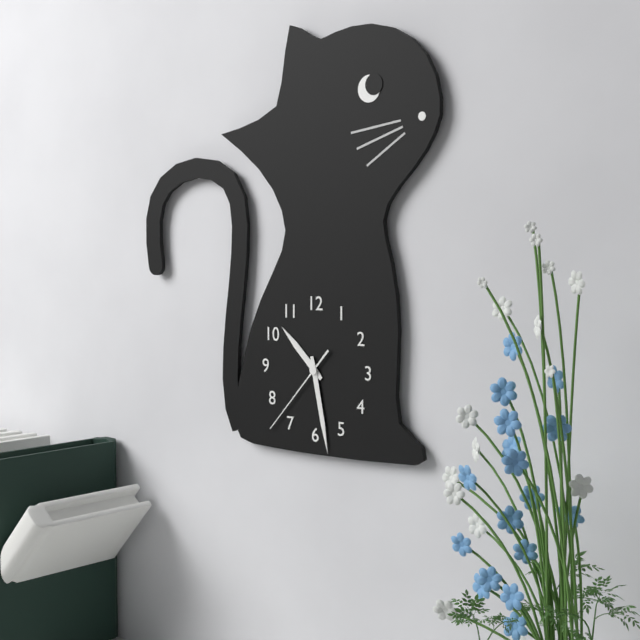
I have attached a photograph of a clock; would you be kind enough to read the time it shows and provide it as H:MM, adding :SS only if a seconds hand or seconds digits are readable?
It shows 10:28:37
